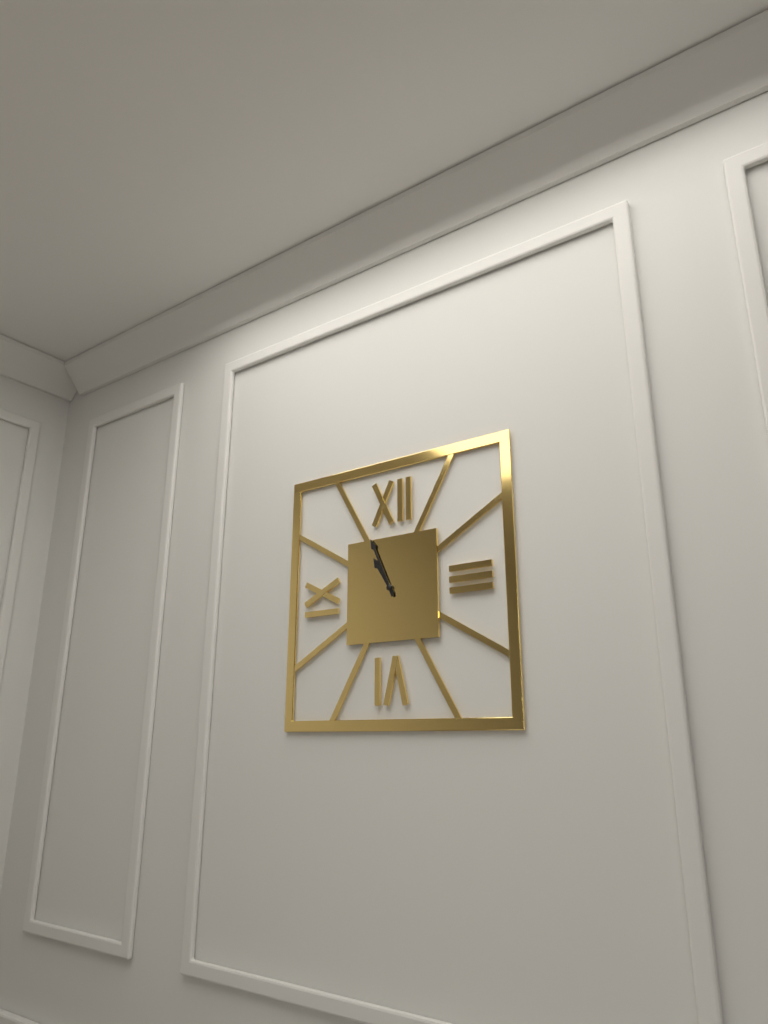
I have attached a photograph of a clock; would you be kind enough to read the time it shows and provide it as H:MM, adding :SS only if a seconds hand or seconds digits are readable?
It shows 10:56
